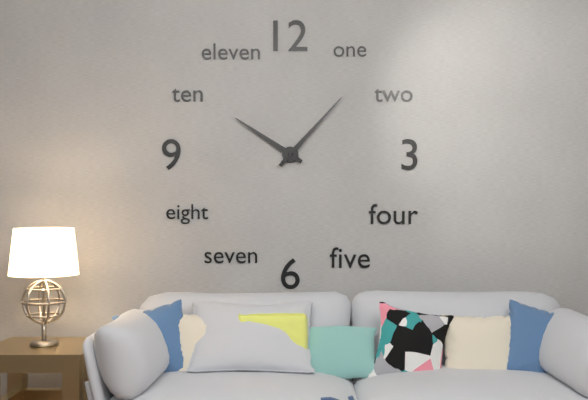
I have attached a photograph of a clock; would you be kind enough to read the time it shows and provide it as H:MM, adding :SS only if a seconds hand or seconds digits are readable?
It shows 10:07
